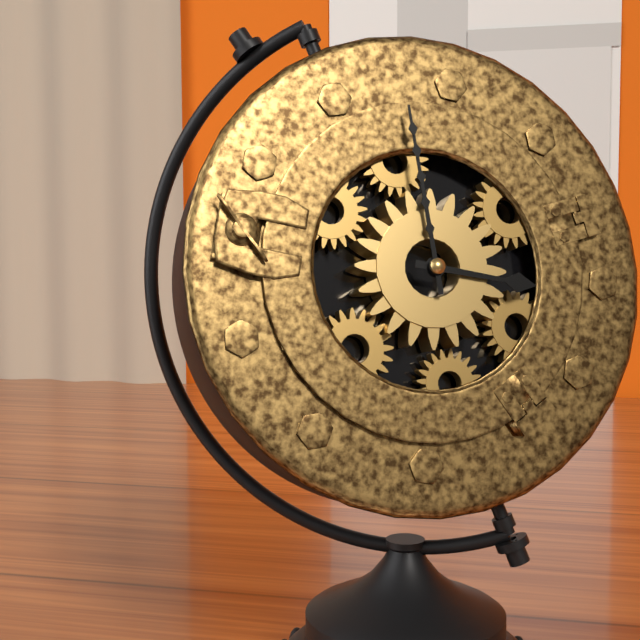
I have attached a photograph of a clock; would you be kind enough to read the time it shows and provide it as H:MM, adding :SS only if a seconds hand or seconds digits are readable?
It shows 2:57
